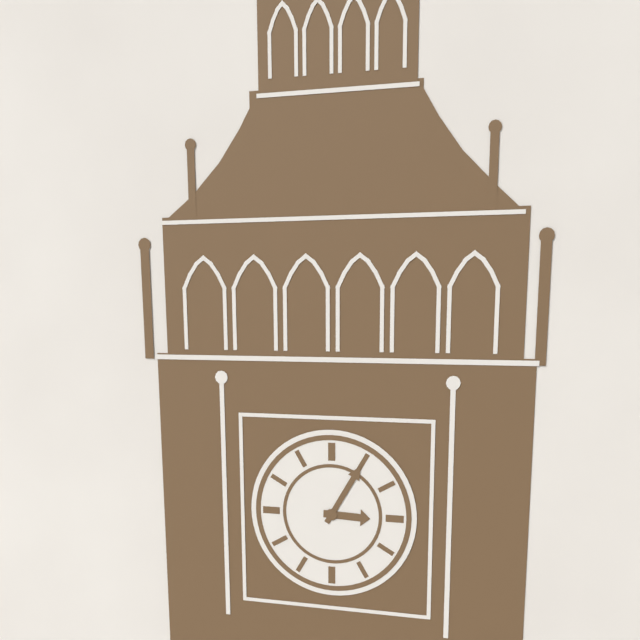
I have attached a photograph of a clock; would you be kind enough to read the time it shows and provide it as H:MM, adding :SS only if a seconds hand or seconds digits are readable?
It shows 3:05
